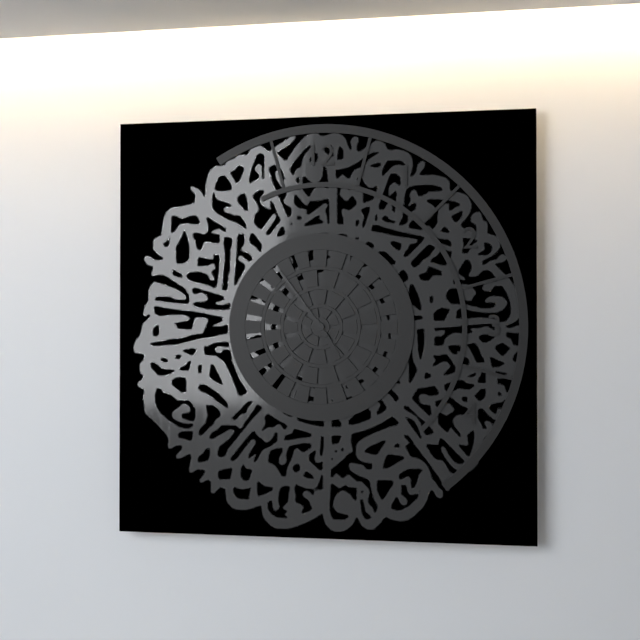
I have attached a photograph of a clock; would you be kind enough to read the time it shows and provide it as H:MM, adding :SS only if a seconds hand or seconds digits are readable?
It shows 4:54
